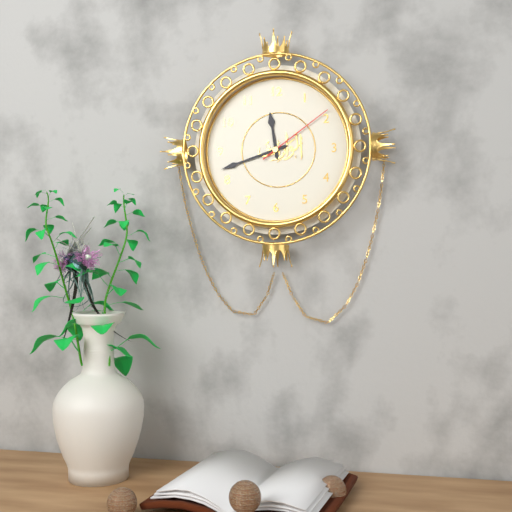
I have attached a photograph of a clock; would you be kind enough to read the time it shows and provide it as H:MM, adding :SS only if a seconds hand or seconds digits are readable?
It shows 11:42:09
